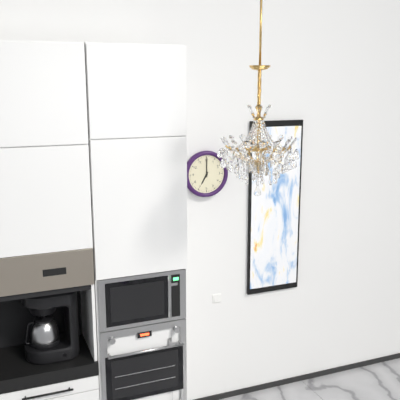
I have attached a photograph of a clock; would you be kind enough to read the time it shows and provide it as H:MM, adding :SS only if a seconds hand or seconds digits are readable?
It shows 7:00
